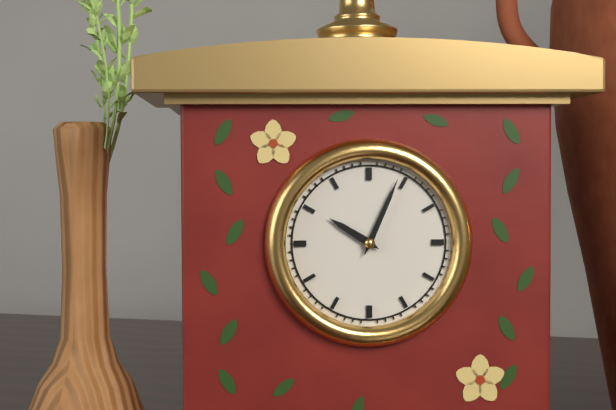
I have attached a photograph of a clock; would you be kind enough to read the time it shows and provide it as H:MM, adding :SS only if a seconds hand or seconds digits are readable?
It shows 10:04
